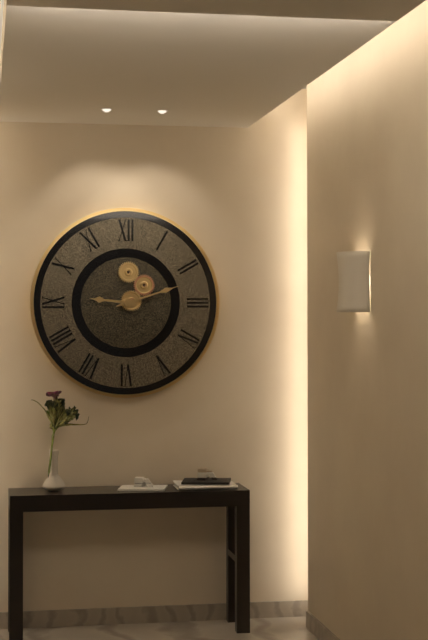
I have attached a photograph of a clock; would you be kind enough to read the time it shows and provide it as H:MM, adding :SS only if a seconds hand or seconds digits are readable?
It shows 9:12
